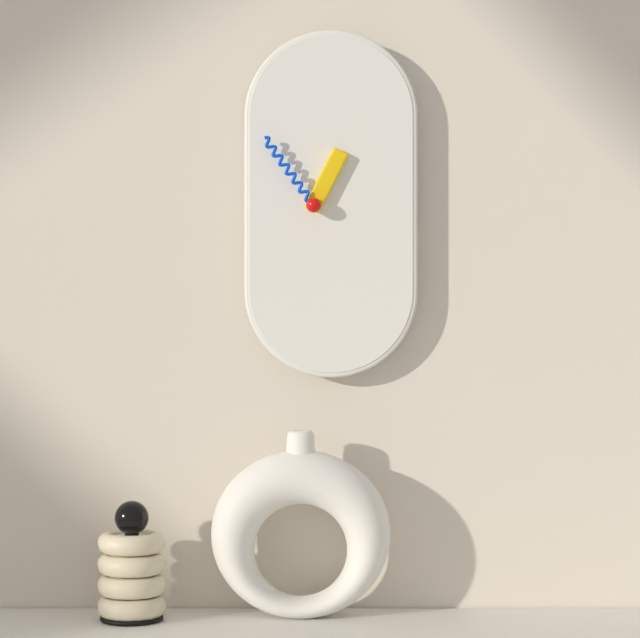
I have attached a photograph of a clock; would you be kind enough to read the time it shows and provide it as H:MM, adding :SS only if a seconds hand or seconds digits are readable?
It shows 12:54
